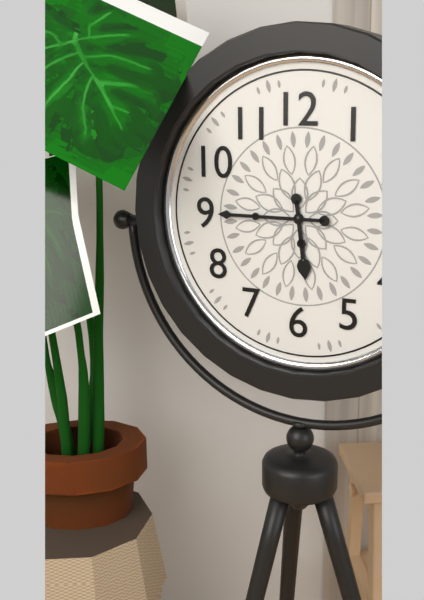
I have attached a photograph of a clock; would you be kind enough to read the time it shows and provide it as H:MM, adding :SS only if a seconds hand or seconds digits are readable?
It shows 5:45
